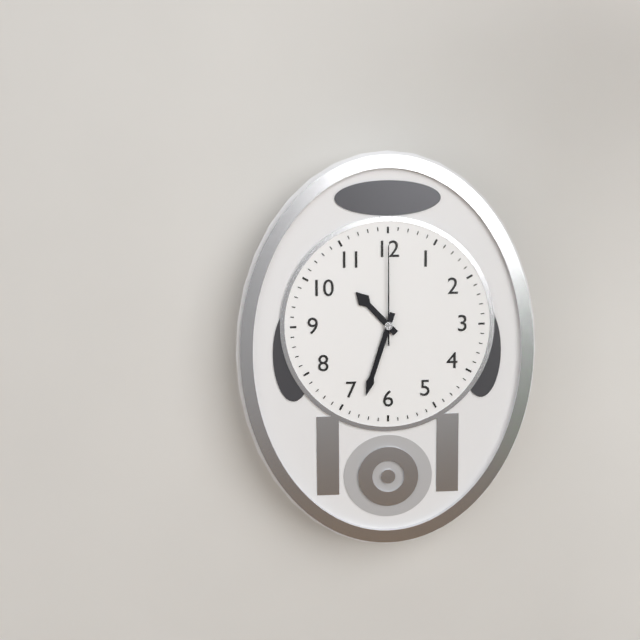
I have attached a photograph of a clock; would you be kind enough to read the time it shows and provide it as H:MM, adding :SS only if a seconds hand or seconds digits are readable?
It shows 10:33:00
